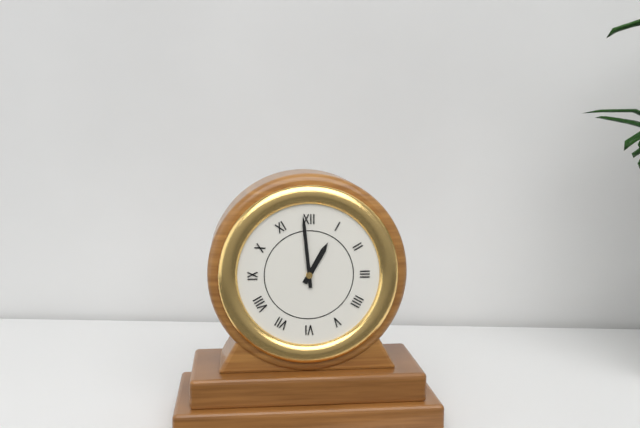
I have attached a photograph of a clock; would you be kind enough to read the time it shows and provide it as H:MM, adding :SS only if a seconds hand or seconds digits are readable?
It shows 12:59
